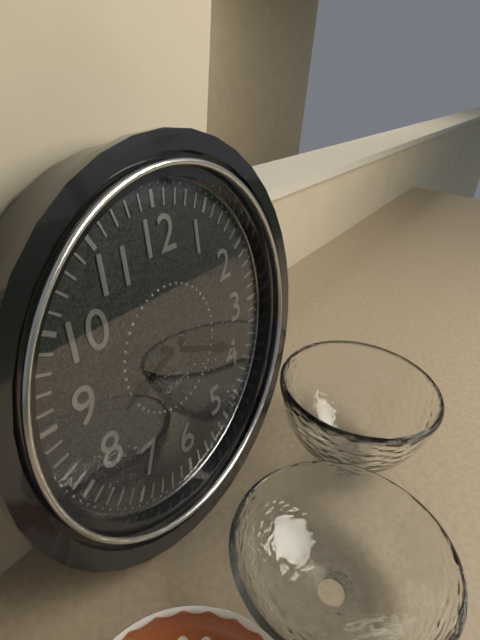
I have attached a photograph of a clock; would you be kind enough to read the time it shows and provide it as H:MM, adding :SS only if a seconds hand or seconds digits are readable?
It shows 8:19
